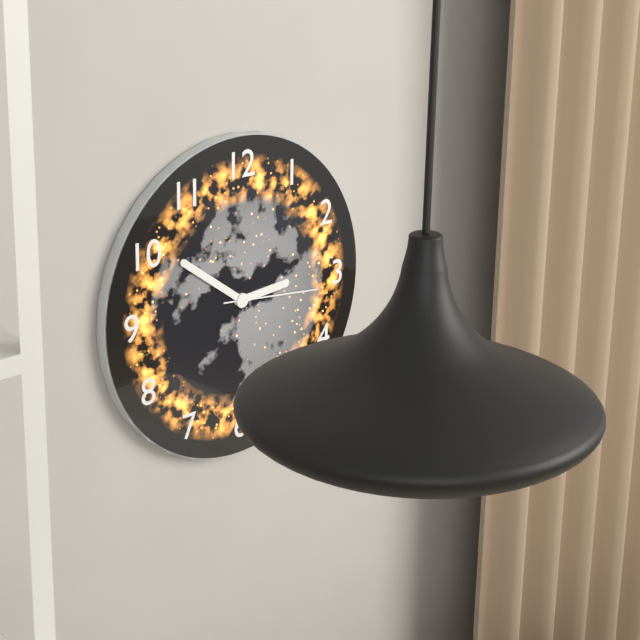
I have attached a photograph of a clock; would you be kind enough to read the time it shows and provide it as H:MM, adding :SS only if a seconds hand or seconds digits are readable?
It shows 2:51:16
